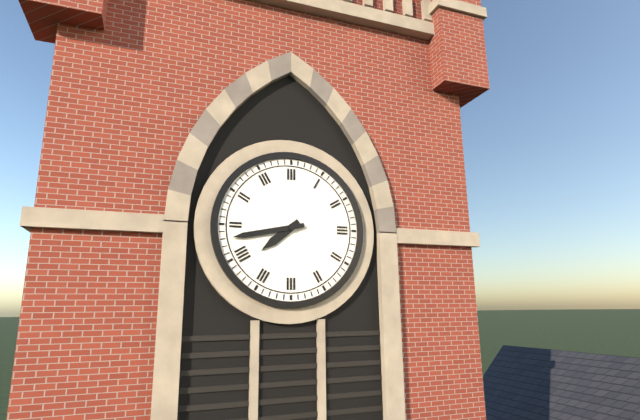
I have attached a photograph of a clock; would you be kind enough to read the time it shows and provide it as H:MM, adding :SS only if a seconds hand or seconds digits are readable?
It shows 7:43
